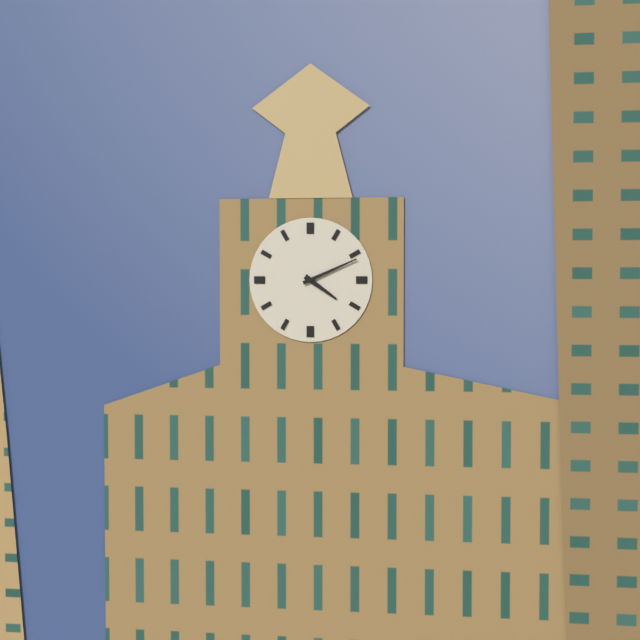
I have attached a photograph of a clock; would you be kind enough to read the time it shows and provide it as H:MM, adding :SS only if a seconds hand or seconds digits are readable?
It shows 4:11
